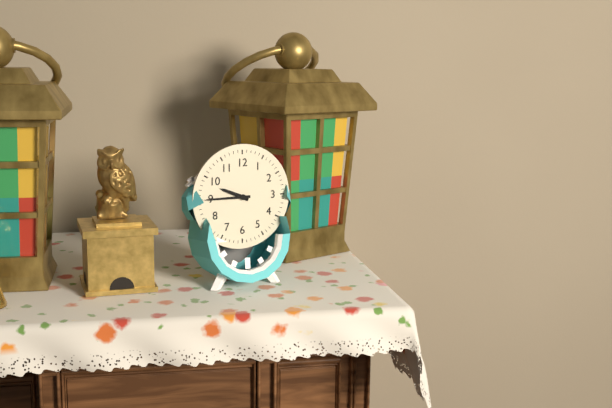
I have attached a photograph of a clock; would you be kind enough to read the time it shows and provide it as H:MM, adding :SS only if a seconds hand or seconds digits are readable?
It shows 9:45
